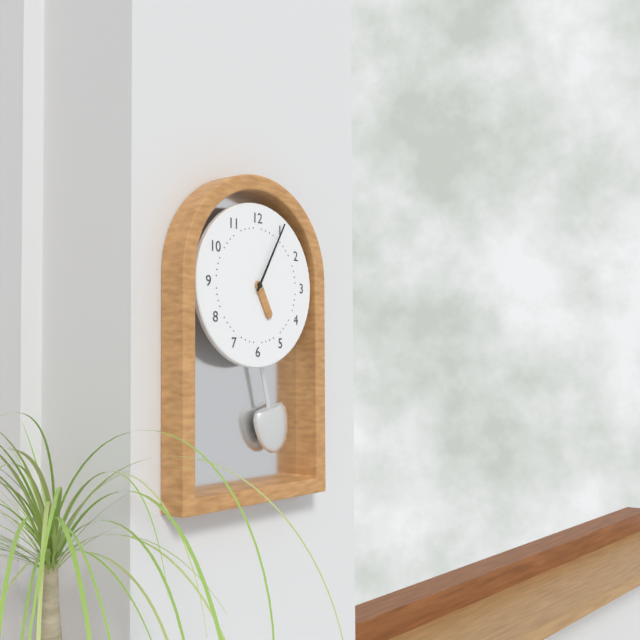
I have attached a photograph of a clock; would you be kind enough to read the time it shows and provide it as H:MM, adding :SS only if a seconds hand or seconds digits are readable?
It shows 5:05
